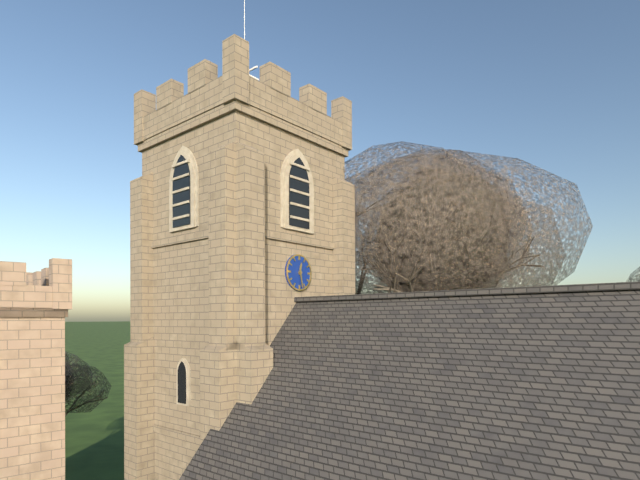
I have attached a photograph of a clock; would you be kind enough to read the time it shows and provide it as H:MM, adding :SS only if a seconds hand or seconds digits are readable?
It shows 12:28
